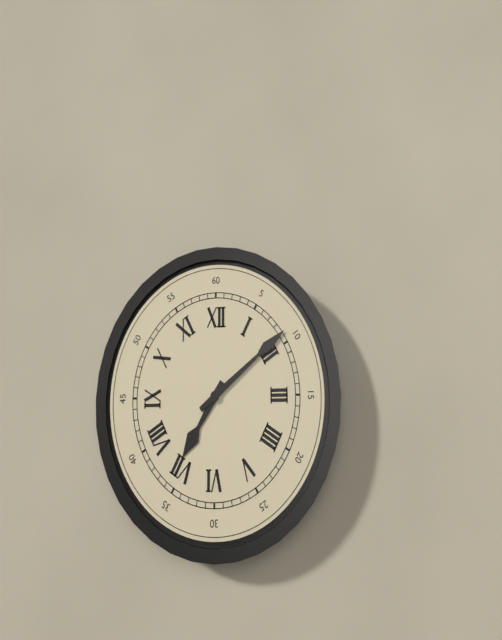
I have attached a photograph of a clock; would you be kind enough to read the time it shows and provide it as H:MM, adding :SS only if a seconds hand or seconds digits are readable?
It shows 7:09
